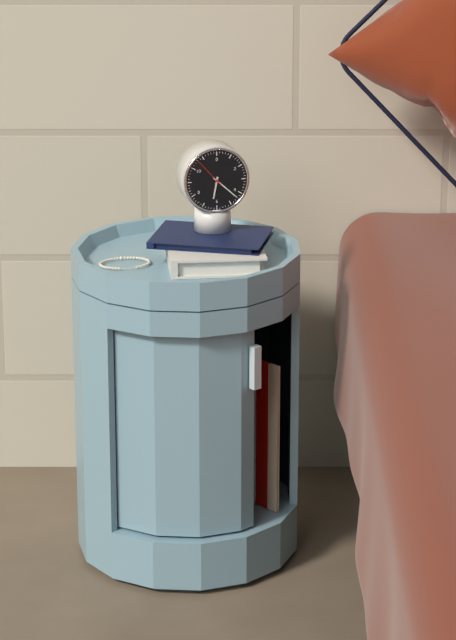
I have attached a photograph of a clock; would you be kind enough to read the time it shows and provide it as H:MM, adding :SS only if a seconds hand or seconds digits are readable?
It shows 6:22
